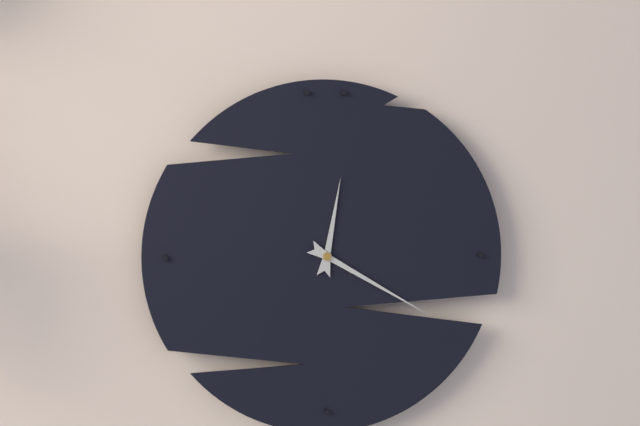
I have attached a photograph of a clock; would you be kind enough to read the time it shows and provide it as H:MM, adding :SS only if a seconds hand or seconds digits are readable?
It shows 12:20
